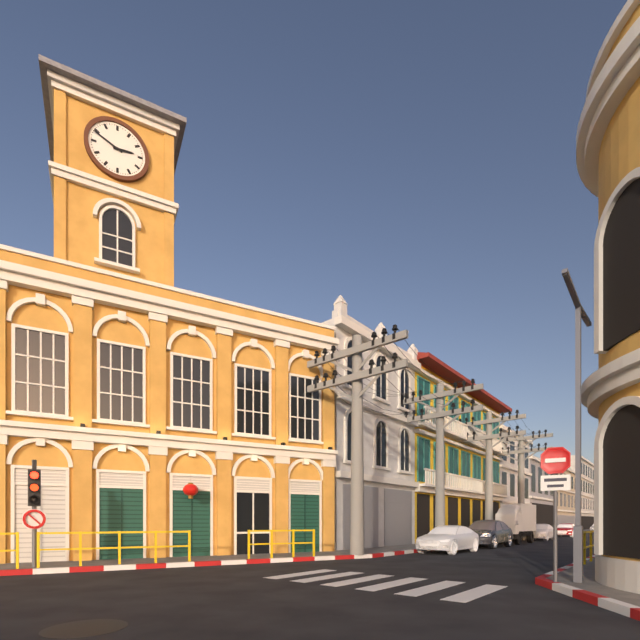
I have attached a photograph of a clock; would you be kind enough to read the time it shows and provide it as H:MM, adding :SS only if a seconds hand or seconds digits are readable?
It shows 2:49
